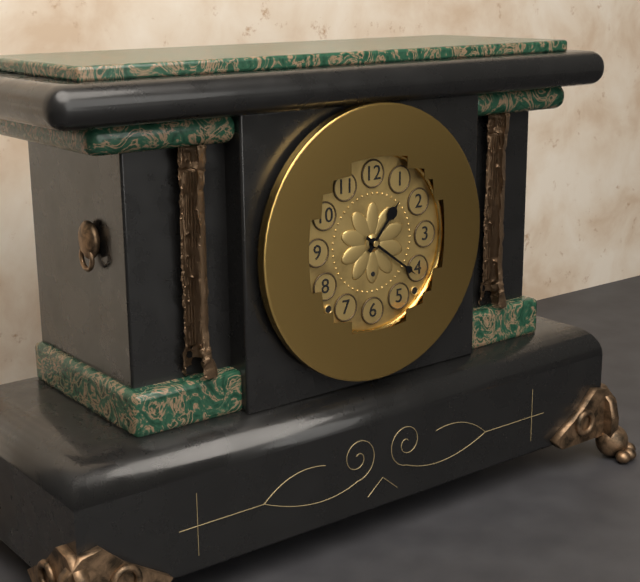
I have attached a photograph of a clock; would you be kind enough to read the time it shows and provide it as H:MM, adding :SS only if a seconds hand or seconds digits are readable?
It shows 1:21
